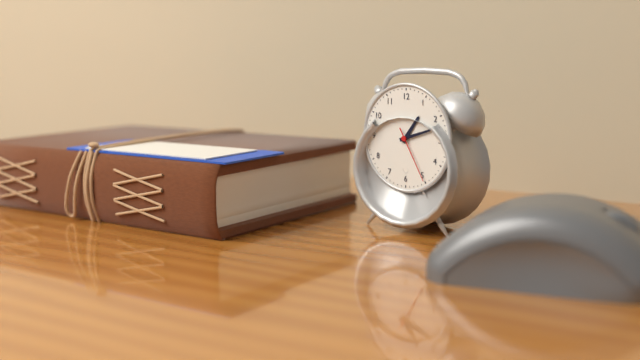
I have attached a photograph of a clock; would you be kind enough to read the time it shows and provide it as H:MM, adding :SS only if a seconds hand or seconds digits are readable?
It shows 1:12:25
